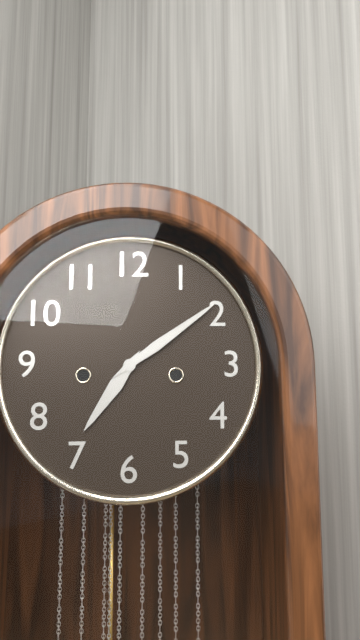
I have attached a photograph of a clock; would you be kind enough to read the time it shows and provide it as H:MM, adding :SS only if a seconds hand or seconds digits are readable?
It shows 7:09
